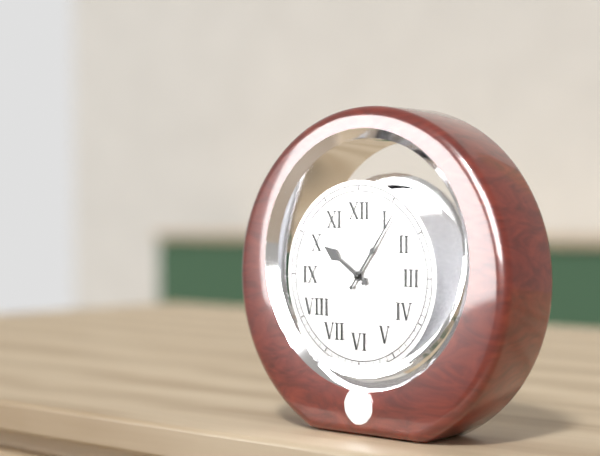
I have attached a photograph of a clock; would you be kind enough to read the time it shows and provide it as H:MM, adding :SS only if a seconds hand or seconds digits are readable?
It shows 10:06
